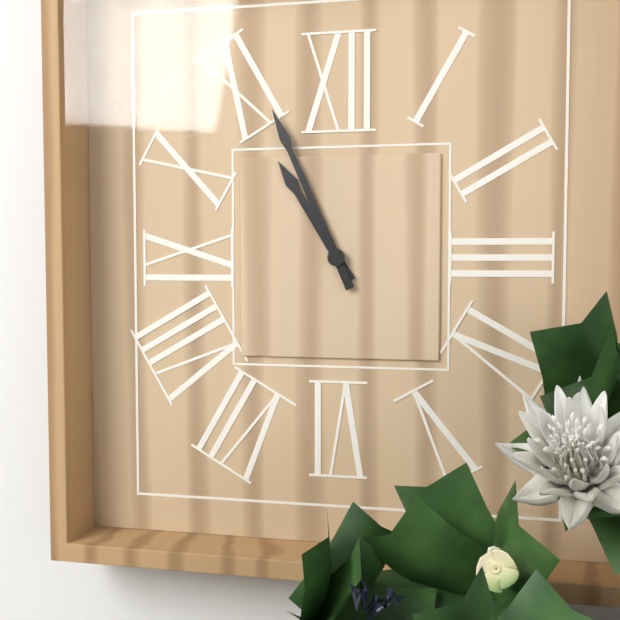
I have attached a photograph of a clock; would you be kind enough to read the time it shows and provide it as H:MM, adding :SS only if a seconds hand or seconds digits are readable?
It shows 10:56
